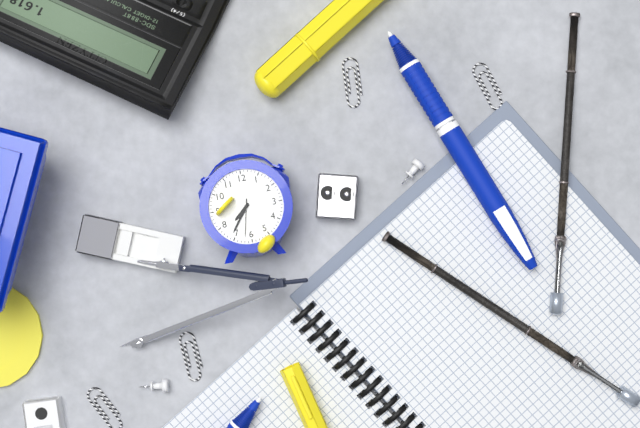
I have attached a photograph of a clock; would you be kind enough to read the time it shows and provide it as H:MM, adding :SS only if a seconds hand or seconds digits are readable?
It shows 7:36
